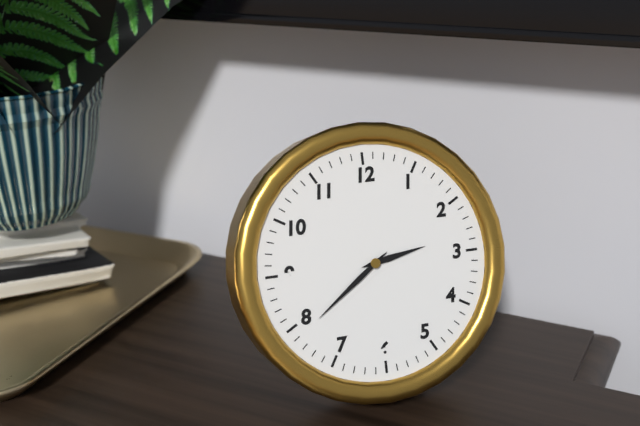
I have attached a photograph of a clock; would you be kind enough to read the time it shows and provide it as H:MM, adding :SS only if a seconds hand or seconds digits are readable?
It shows 2:39
